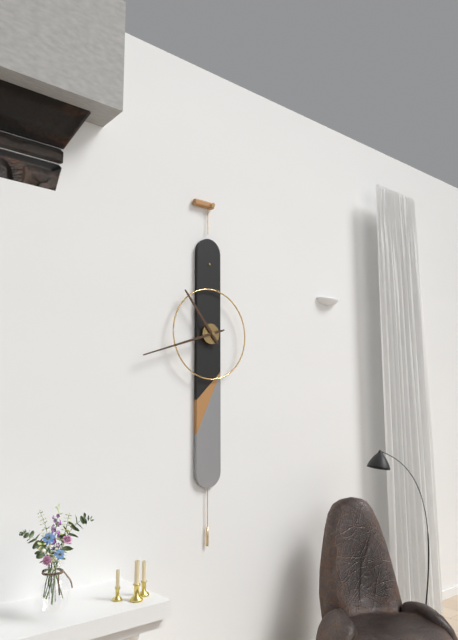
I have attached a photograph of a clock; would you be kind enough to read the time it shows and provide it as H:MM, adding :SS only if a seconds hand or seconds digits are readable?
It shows 10:42
